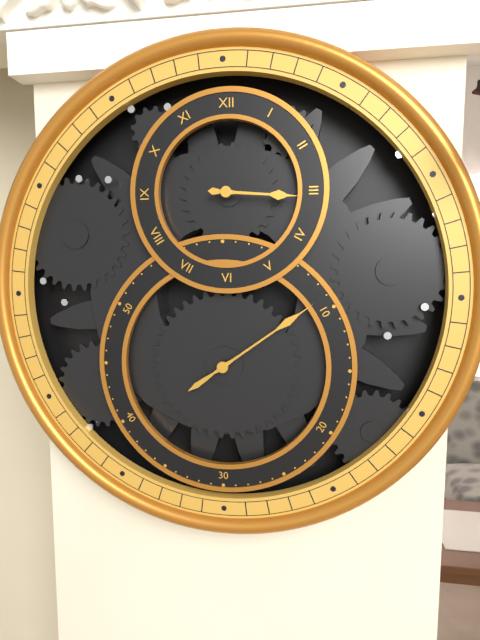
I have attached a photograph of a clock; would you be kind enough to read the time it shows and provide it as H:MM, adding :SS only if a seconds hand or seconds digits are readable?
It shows 3:09
